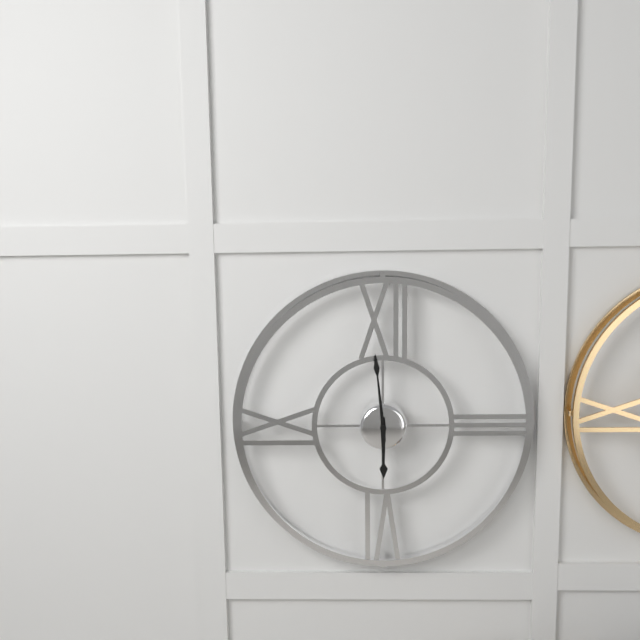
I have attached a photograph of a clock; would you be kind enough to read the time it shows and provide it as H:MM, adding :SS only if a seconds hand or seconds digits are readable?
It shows 5:59
